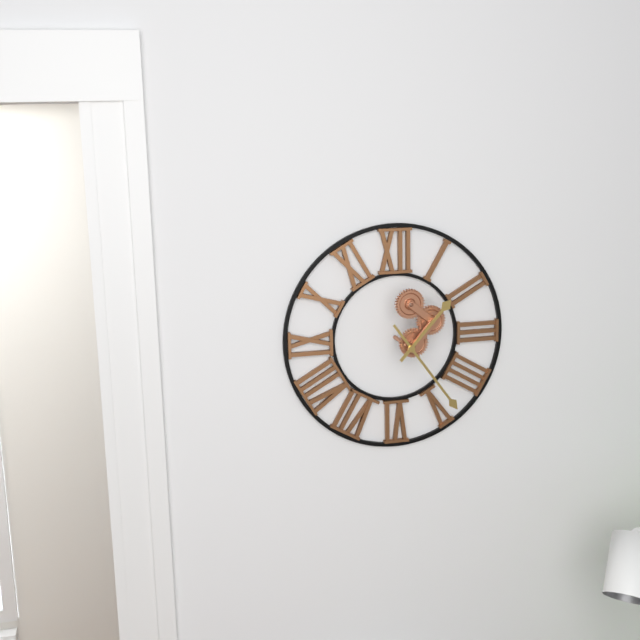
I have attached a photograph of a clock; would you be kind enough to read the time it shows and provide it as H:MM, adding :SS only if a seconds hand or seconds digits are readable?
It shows 1:24
